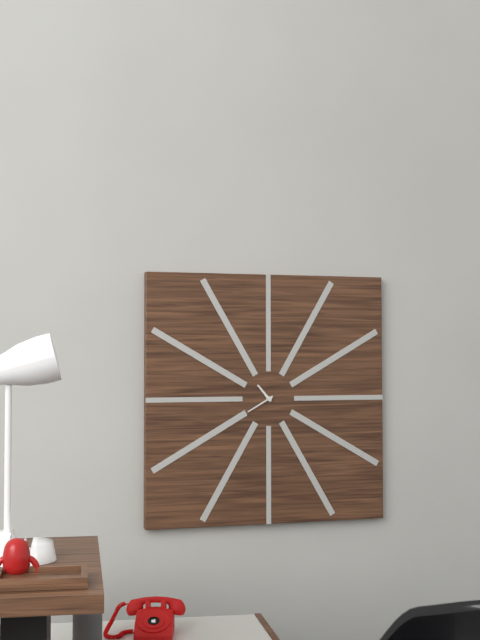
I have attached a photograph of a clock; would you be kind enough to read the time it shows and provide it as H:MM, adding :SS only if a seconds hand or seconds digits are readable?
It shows 10:40
